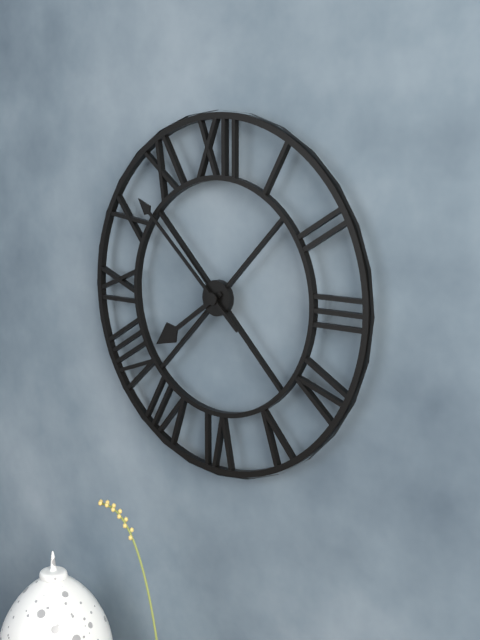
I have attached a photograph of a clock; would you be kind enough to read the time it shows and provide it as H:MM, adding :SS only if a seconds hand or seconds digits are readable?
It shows 7:52
